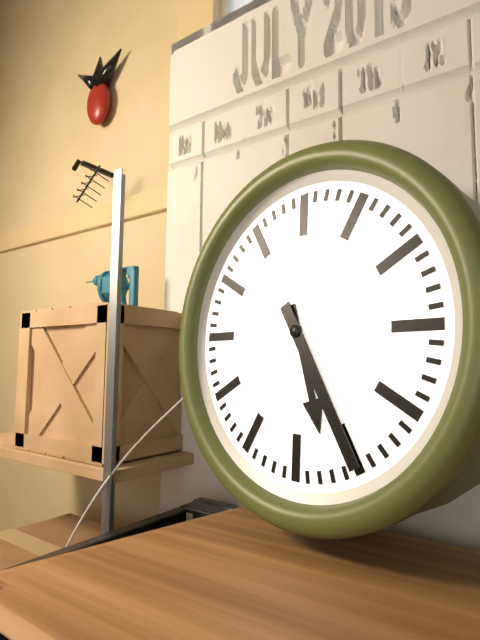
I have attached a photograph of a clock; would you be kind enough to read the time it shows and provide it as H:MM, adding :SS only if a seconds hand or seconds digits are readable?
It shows 5:25
